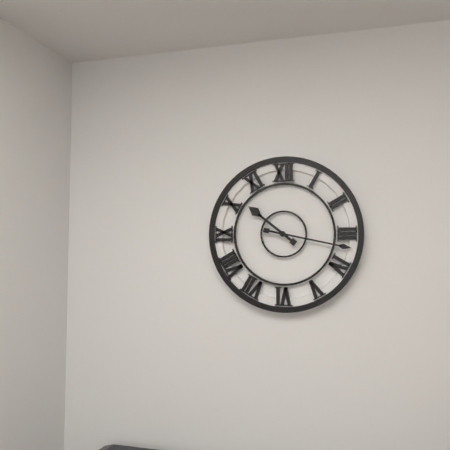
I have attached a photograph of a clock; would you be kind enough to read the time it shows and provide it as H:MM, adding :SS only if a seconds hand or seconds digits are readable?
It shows 10:17
